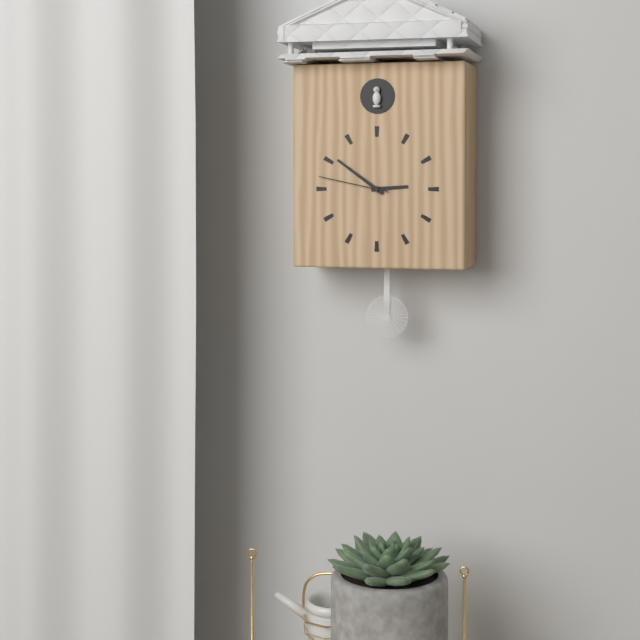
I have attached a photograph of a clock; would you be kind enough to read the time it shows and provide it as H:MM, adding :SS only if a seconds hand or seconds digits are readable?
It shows 2:51:47
